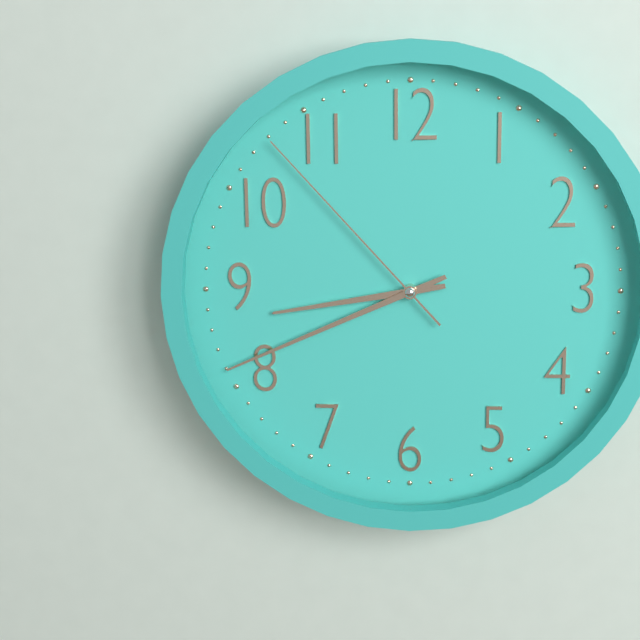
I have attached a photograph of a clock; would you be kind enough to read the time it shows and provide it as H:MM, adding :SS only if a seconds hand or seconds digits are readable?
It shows 8:41:53
